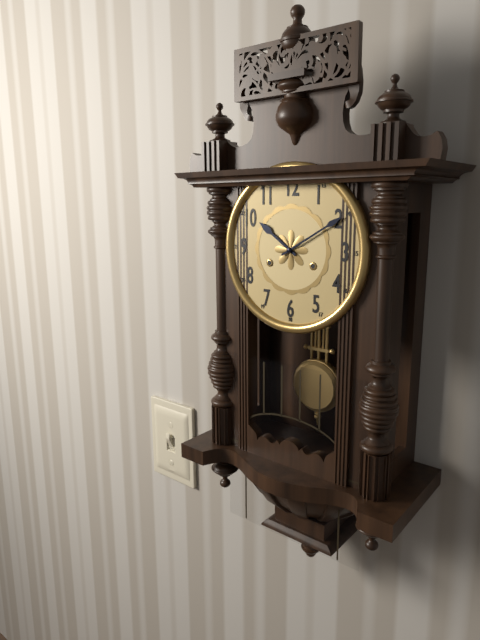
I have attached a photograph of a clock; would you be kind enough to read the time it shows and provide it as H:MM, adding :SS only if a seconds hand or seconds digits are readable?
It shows 10:10
